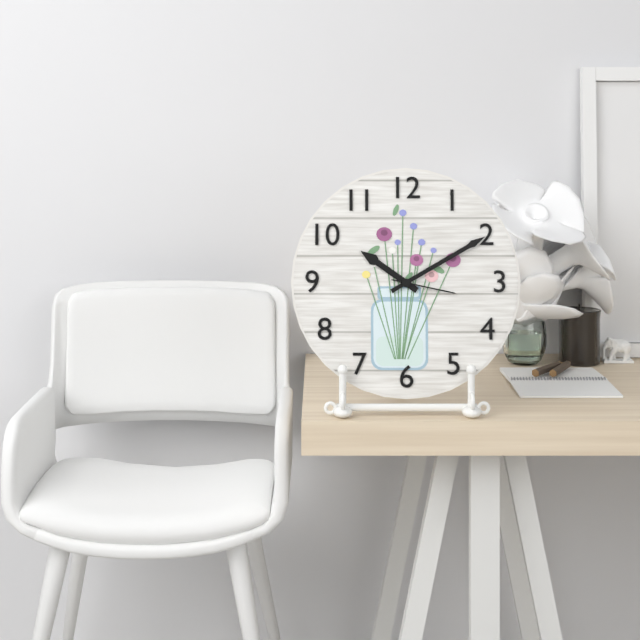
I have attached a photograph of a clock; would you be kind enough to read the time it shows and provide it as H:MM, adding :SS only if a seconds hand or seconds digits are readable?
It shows 10:10:17
